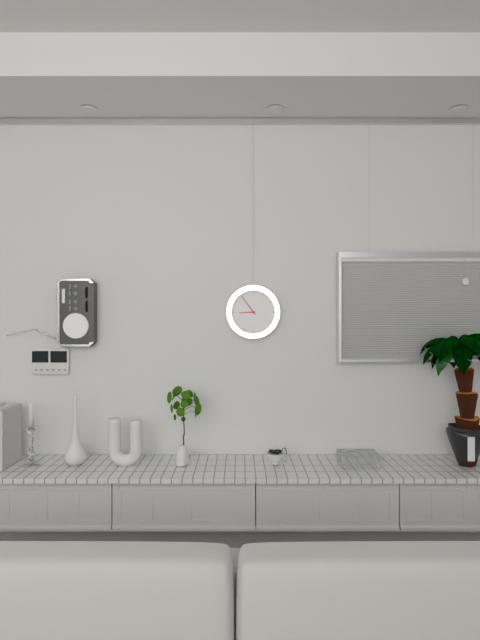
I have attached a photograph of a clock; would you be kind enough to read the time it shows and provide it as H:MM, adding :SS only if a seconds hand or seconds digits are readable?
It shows 8:54
